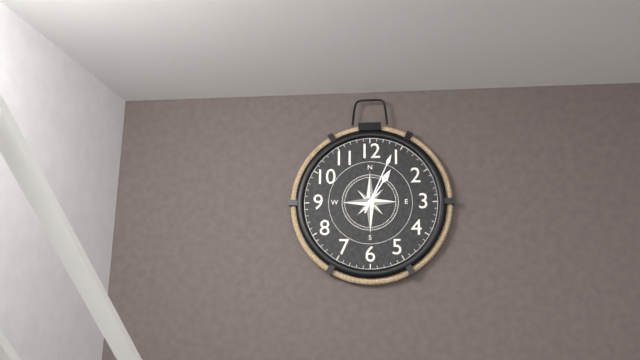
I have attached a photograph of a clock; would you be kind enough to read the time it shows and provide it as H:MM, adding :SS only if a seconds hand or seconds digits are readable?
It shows 1:04
